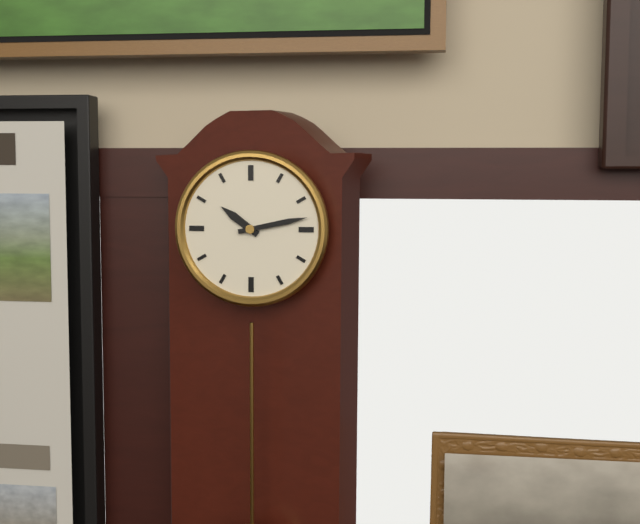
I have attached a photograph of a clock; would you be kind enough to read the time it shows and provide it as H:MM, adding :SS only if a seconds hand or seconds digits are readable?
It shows 10:13
